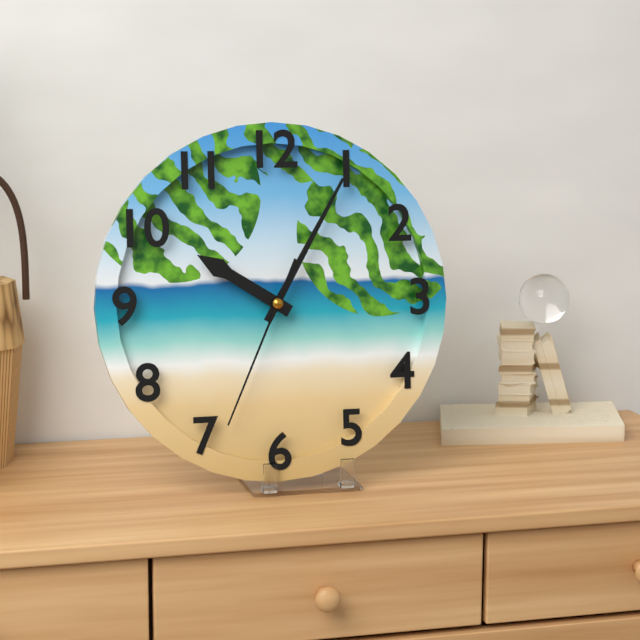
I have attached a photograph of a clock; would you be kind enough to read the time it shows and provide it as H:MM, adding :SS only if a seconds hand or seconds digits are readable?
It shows 10:05:34
